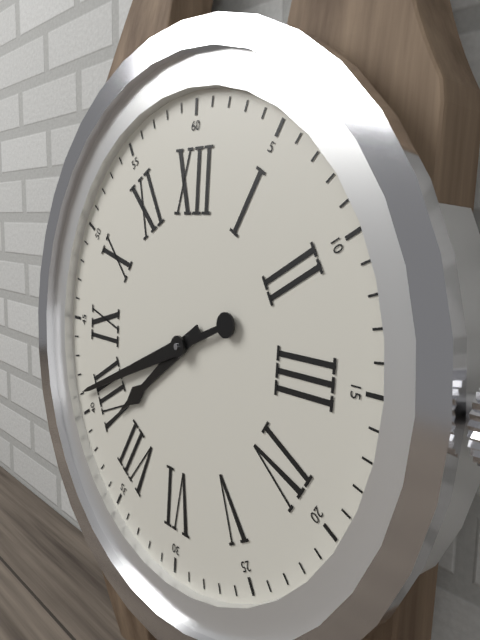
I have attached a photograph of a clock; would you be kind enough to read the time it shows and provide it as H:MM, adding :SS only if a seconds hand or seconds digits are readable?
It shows 7:41
